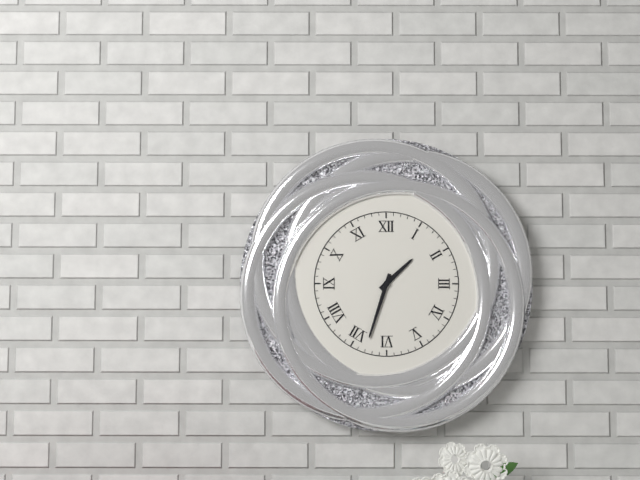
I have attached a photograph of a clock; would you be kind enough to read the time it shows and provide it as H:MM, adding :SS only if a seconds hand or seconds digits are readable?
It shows 1:33
